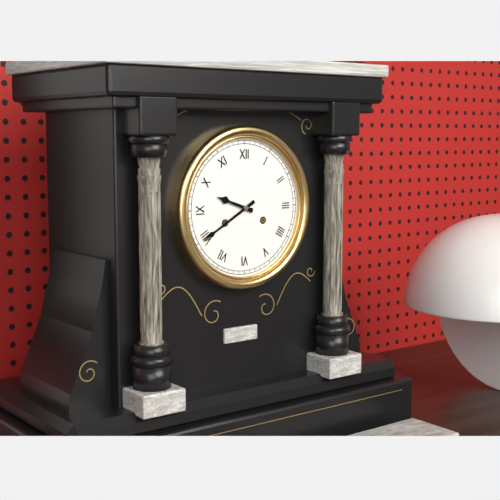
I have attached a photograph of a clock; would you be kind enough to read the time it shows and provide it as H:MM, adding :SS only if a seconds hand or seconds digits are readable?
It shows 9:40
